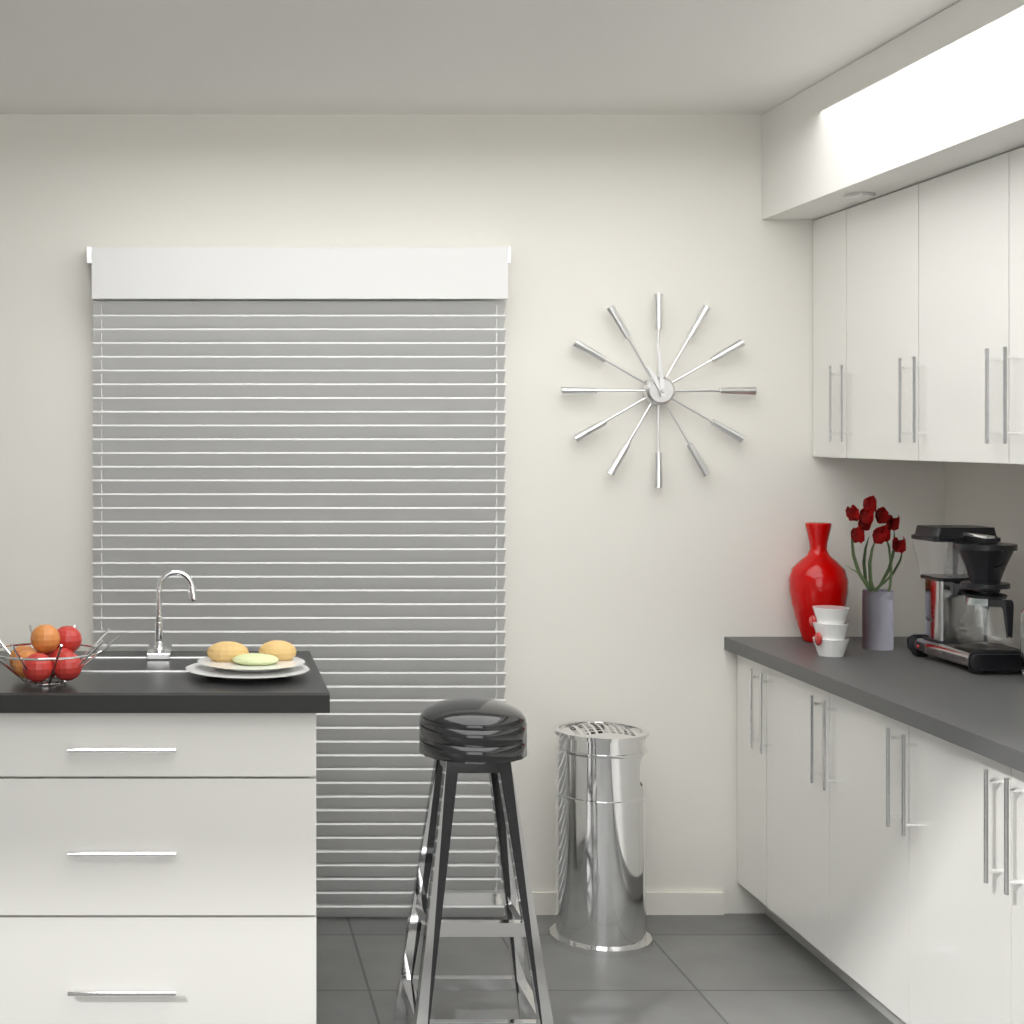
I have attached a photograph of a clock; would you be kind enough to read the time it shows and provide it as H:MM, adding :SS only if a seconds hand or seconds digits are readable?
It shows 10:59
